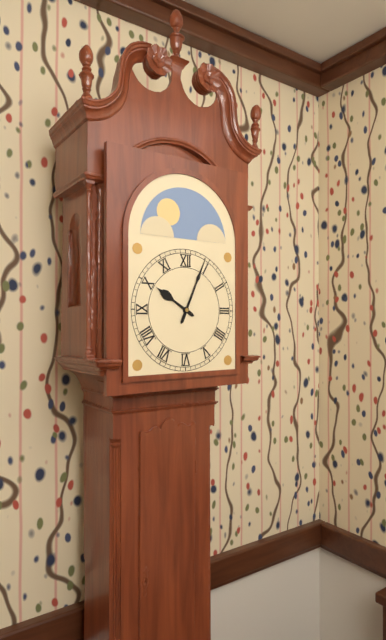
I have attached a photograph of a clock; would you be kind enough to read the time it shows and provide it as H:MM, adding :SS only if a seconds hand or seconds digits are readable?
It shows 10:04
